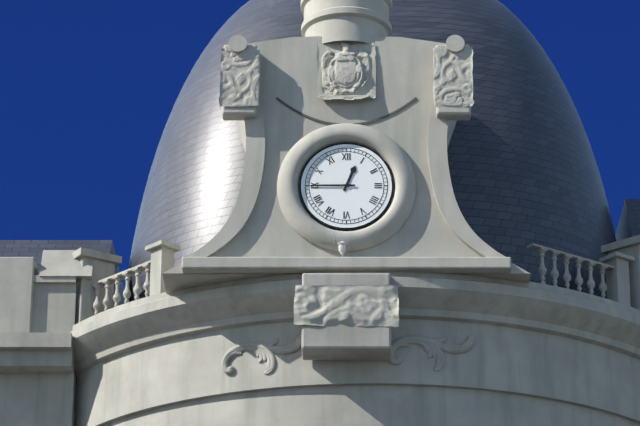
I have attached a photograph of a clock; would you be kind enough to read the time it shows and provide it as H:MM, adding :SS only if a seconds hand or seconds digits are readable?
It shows 12:45
